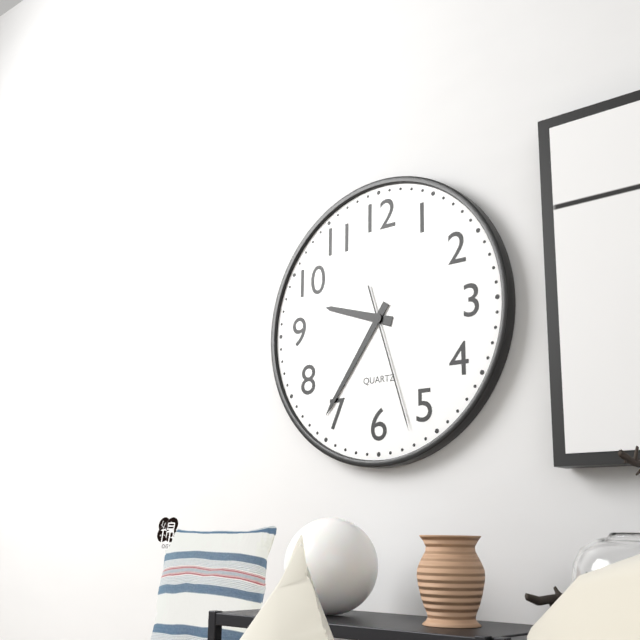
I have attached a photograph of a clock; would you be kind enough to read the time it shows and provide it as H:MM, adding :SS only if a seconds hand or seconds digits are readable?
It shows 9:36:27
